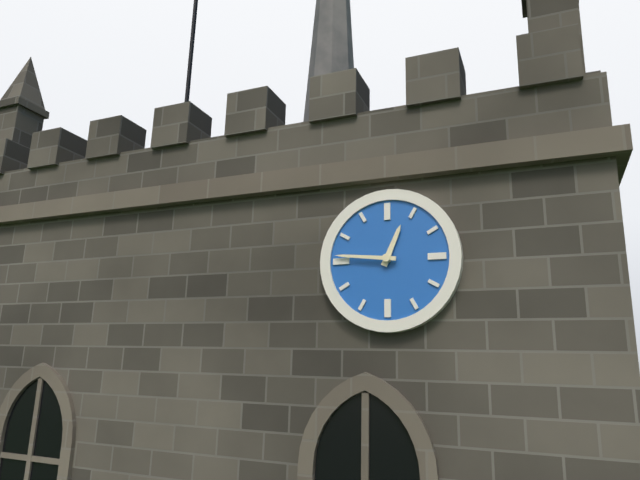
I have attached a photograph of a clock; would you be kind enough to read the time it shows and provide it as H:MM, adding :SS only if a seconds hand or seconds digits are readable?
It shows 12:46
